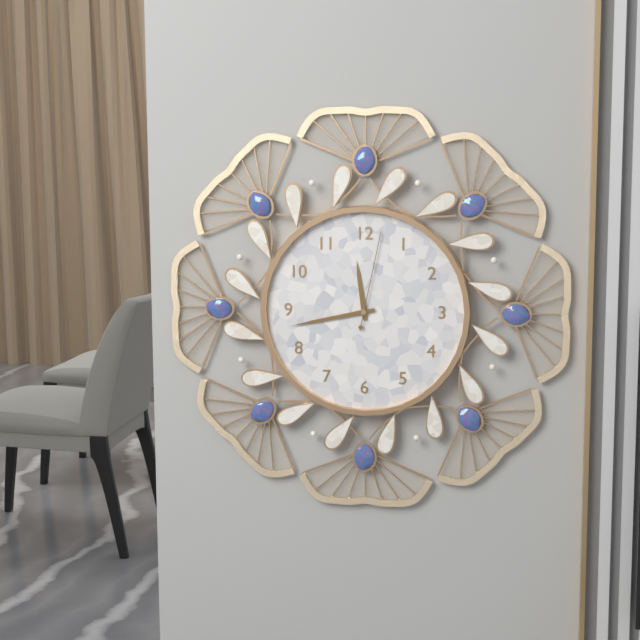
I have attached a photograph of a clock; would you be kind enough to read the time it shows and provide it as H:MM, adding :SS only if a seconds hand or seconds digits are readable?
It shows 11:43:02
